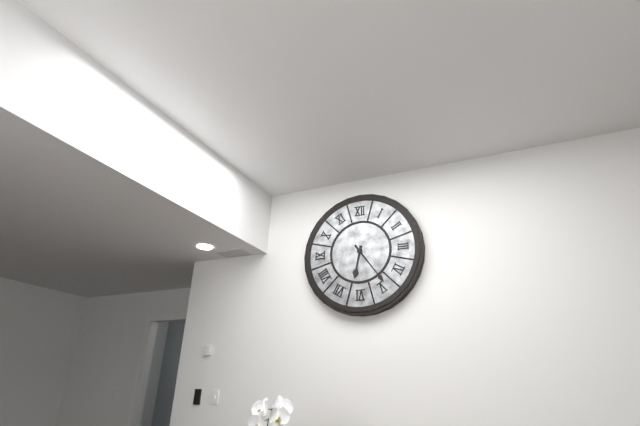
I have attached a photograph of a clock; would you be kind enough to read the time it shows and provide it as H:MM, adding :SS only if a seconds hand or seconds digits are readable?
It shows 6:24
